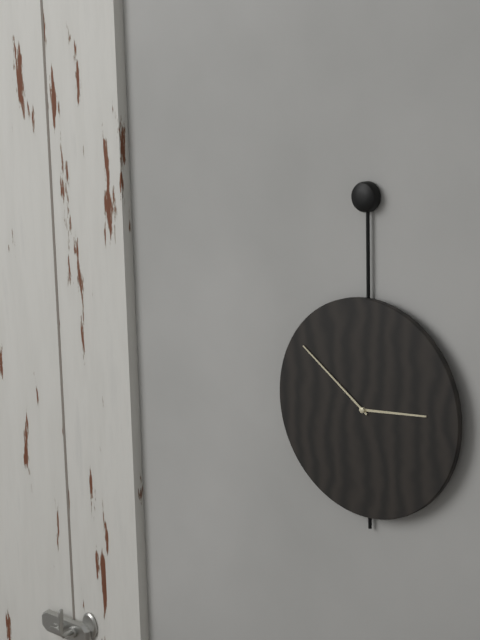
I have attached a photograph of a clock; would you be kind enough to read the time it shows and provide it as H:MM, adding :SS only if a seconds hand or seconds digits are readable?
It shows 2:51
